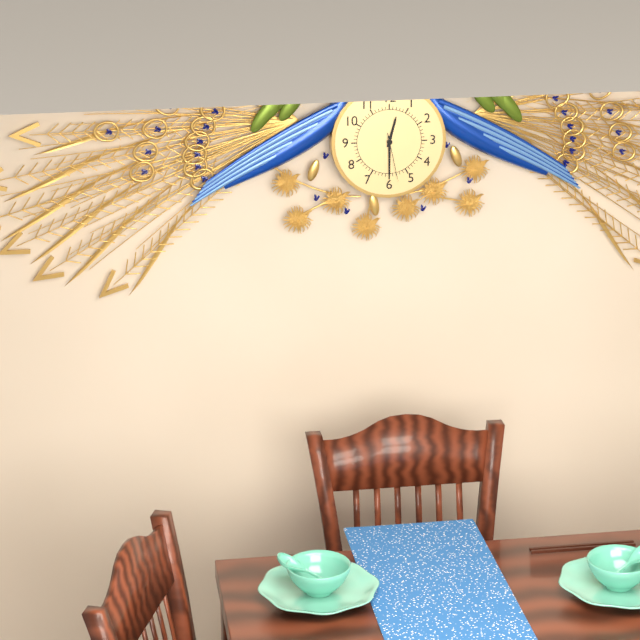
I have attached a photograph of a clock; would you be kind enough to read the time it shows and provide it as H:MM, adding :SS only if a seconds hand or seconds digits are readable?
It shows 12:30:28
